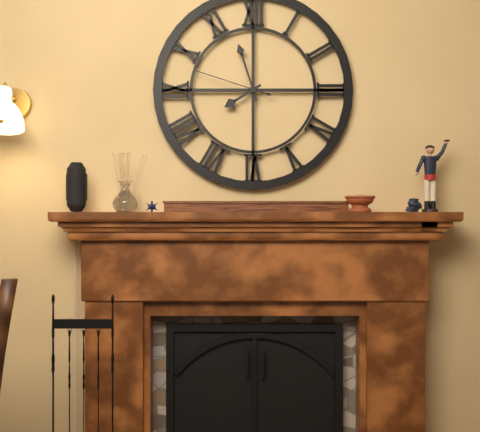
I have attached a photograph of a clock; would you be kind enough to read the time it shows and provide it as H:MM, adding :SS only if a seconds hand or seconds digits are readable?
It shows 7:57:48
